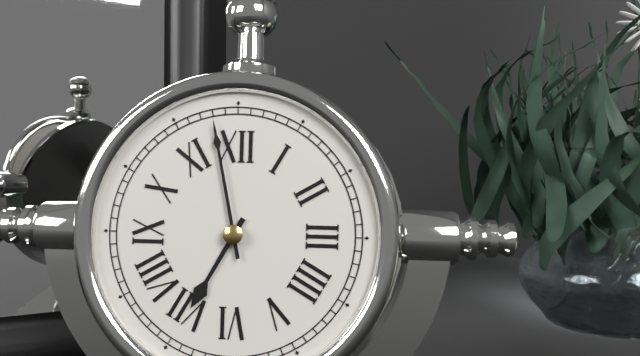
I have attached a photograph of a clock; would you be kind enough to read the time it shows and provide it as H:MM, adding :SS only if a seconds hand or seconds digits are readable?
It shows 6:58
